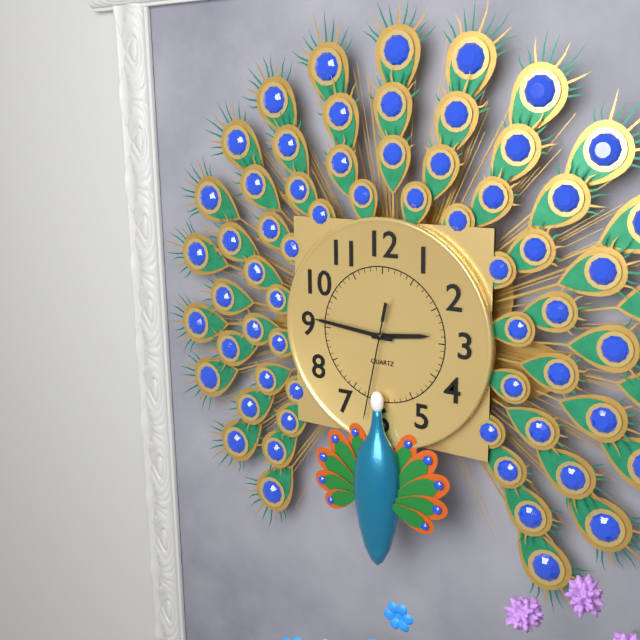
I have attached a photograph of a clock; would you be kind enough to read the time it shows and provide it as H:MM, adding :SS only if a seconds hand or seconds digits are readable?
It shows 2:46:32
